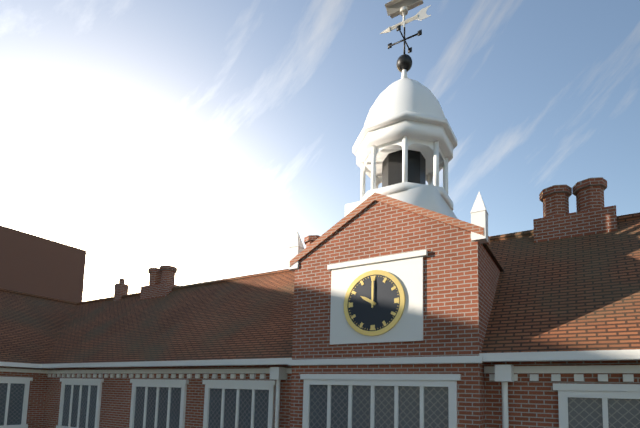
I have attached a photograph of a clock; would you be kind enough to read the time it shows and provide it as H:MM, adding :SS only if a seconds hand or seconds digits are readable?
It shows 10:00
